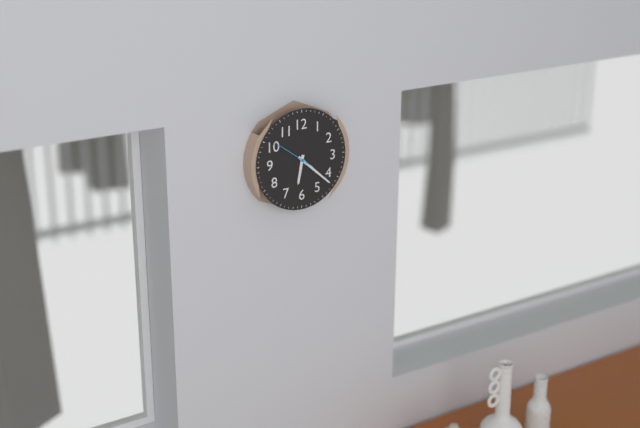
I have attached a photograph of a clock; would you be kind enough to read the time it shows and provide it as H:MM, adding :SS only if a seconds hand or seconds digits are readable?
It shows 6:22
